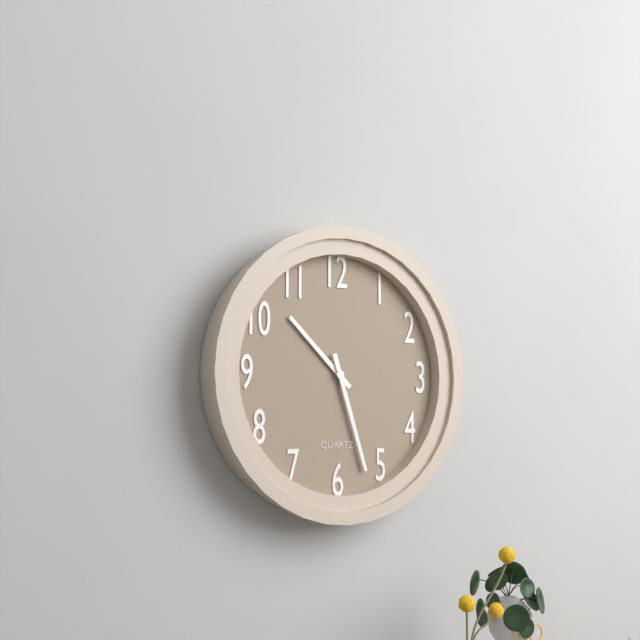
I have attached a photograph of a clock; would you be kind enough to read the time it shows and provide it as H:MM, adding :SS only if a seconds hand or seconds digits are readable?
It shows 10:27
